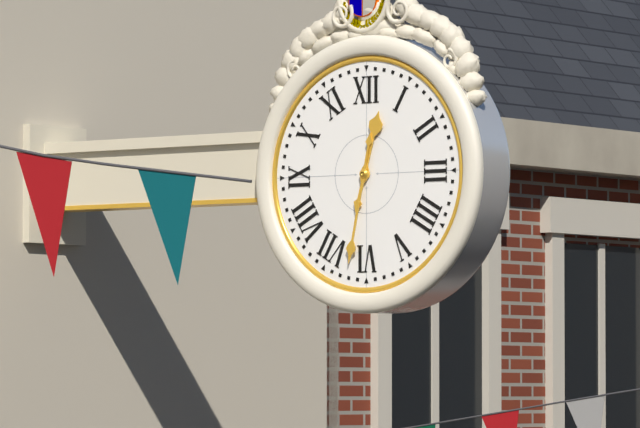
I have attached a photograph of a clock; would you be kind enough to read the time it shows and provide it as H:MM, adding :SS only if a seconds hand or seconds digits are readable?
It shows 12:32
